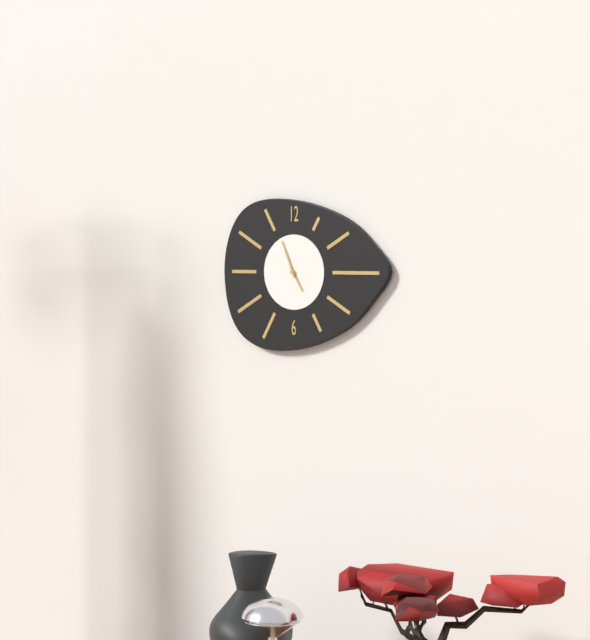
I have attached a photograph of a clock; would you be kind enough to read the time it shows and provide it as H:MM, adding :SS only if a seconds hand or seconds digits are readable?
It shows 4:56
